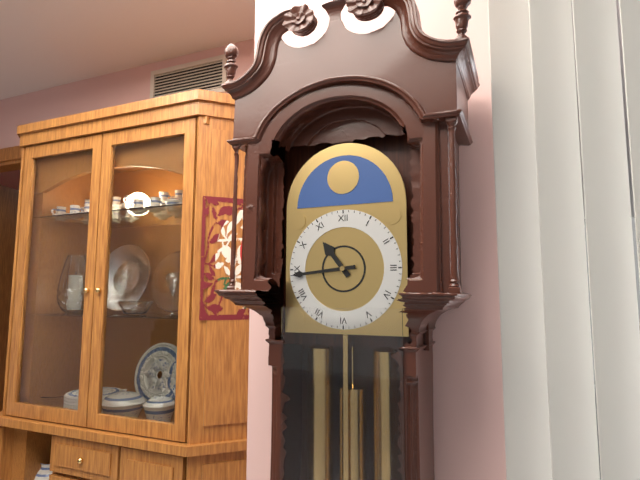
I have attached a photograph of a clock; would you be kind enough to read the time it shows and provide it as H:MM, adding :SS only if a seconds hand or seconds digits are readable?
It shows 10:44
